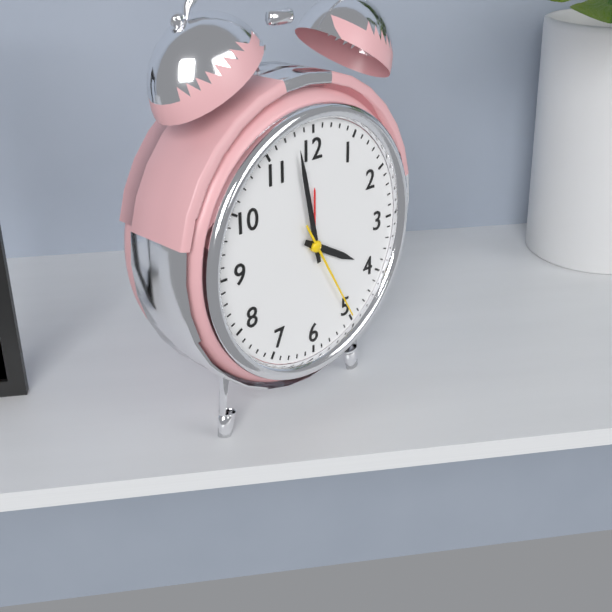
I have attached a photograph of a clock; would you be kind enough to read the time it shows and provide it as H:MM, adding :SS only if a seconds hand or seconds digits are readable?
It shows 3:58:25
